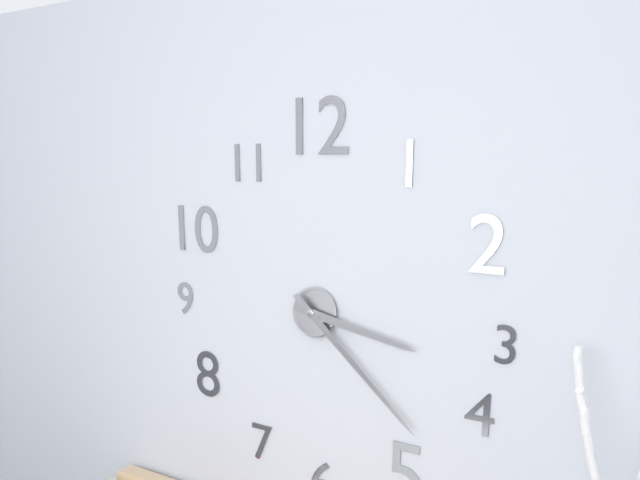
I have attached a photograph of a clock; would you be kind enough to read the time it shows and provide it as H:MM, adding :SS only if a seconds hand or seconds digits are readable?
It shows 3:22
